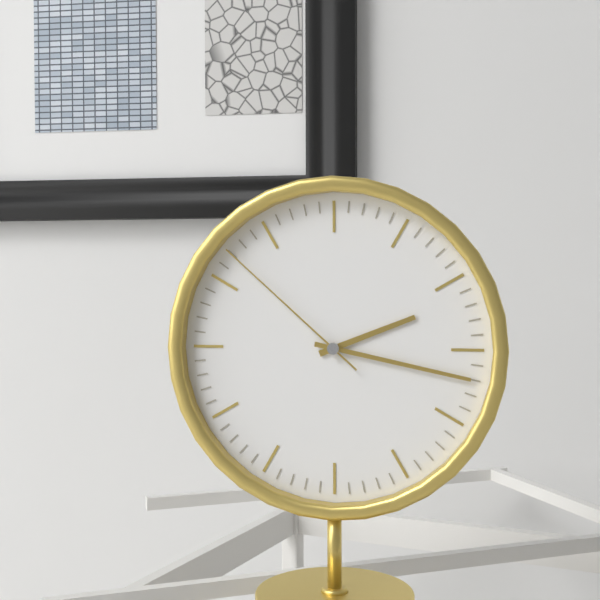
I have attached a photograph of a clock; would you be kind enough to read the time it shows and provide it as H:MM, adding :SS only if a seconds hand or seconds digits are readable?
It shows 2:17:52
